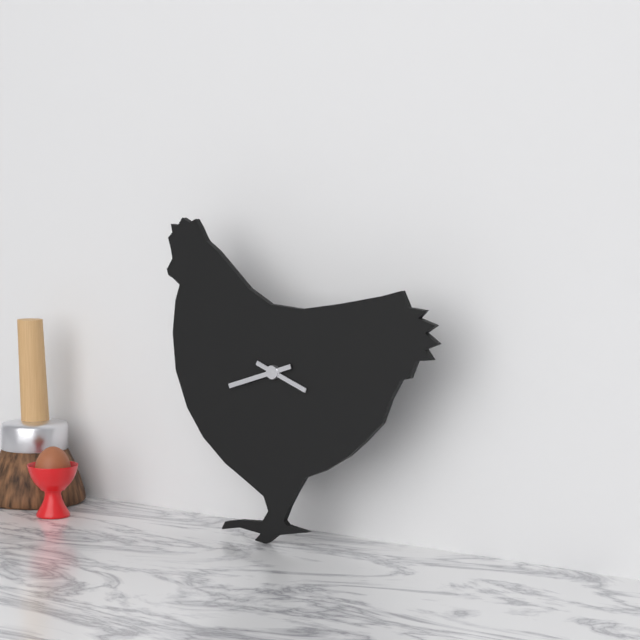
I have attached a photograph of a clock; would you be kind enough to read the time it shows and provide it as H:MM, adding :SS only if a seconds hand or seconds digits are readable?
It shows 3:42
